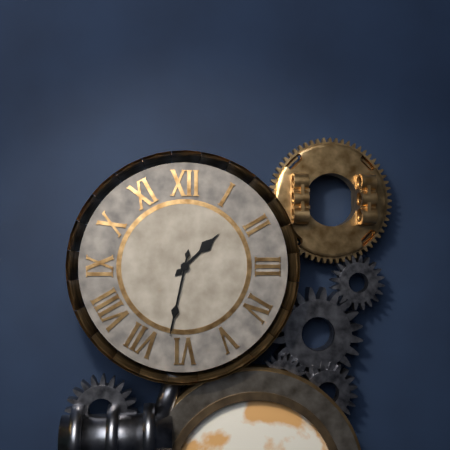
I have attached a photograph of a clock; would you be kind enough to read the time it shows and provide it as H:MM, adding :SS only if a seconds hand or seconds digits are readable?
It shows 1:32
